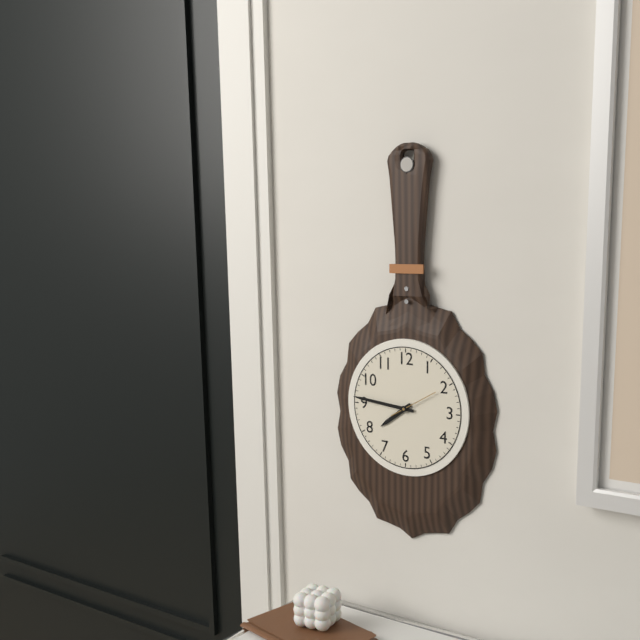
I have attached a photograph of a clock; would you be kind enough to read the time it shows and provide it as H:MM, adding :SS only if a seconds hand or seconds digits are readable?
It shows 7:46
